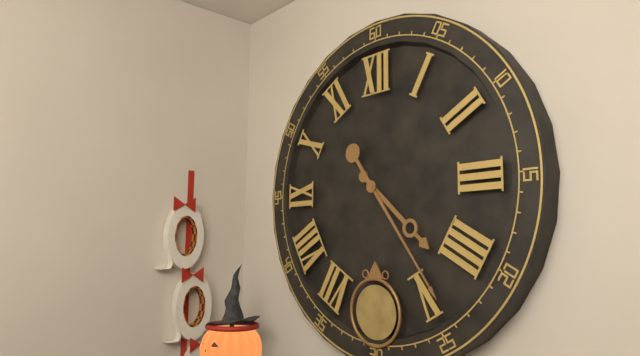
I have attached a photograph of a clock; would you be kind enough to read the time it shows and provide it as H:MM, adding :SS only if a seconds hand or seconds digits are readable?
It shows 4:24
